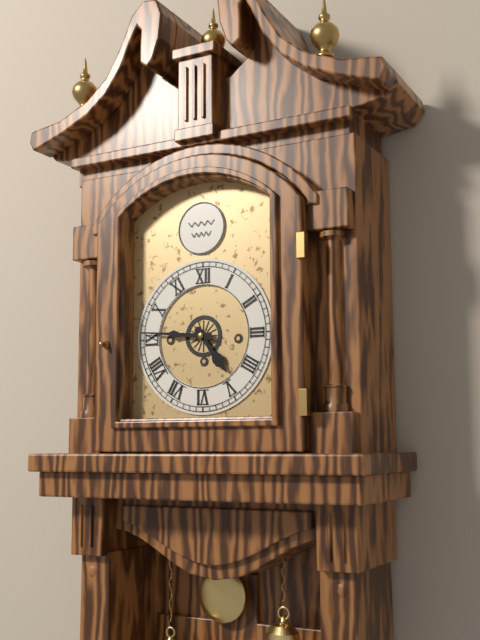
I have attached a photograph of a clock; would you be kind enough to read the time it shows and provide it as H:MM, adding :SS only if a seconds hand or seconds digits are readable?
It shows 4:46
